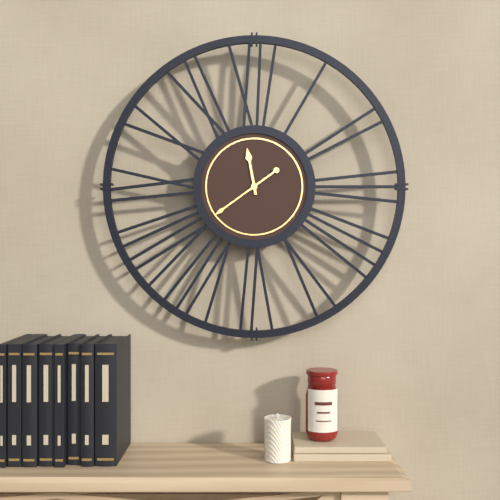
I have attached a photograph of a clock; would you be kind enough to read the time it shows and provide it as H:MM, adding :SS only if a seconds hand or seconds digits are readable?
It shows 11:39
